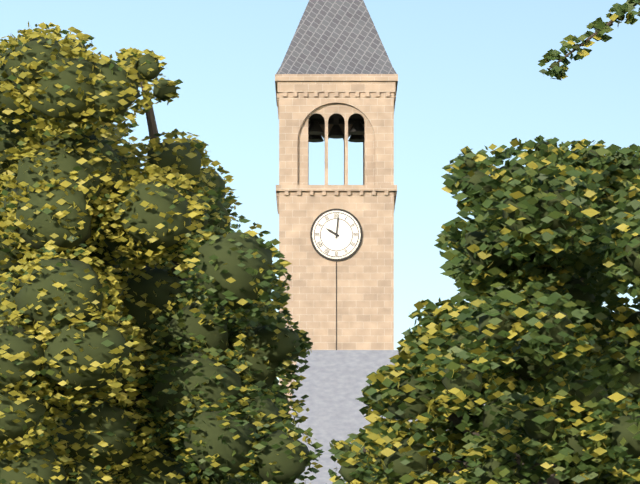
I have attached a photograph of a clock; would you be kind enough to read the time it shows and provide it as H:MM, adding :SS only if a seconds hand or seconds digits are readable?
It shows 10:01
